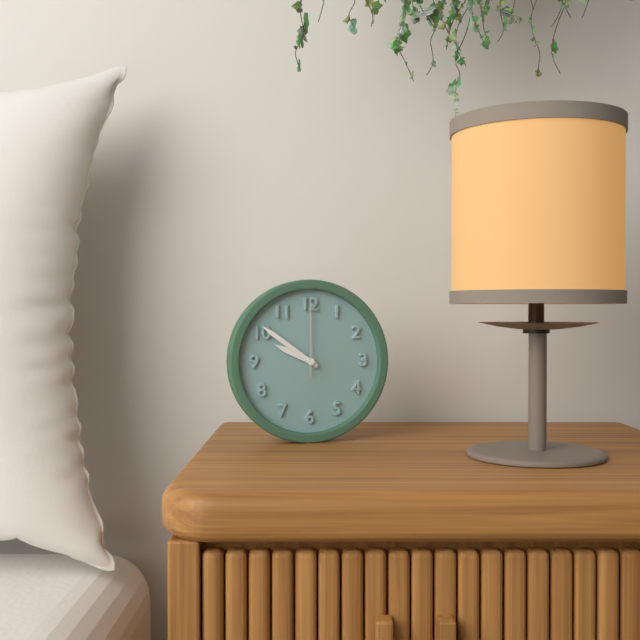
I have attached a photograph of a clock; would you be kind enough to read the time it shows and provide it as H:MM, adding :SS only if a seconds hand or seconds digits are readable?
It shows 9:51:00
